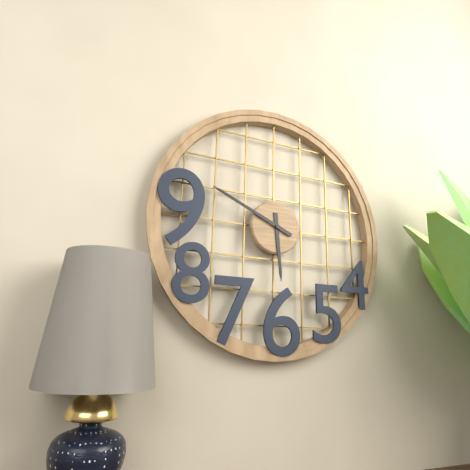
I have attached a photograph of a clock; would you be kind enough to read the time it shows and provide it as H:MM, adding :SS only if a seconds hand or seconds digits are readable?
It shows 5:49
